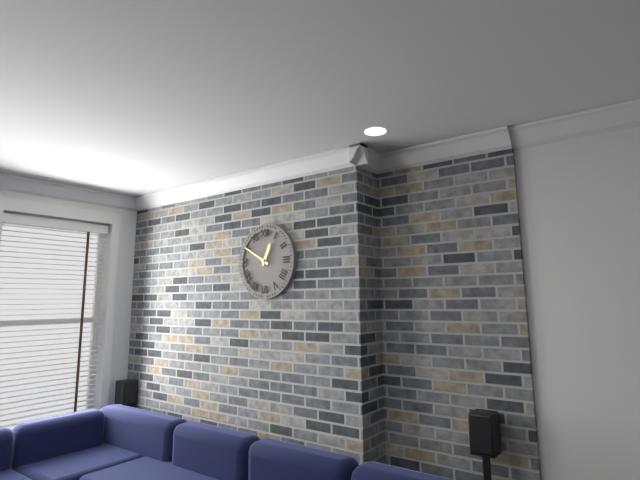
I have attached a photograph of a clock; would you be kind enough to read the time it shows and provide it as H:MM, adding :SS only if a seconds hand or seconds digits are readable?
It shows 12:50
